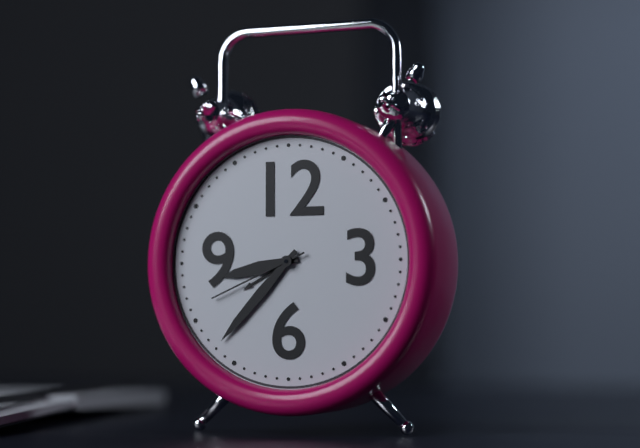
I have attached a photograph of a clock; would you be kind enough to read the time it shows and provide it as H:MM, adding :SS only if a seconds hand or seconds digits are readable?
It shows 8:37:41
